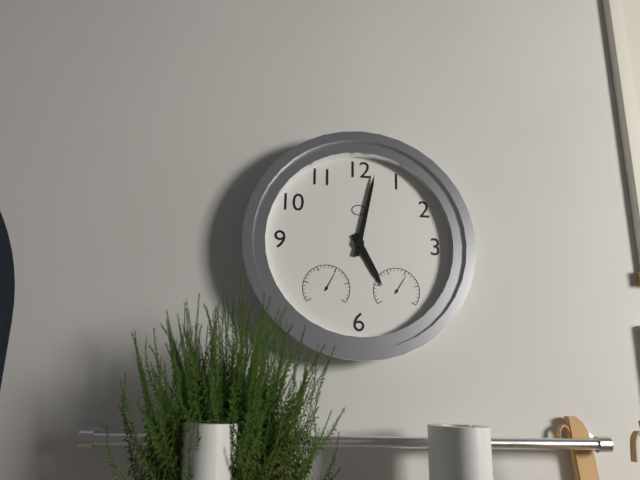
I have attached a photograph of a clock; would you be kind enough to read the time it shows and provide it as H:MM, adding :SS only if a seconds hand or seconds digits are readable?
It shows 5:02
